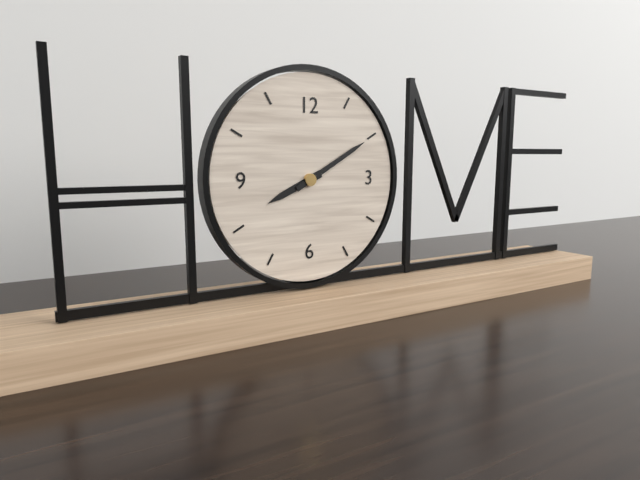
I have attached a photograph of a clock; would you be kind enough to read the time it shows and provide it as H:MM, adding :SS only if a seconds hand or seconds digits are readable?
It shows 8:10
